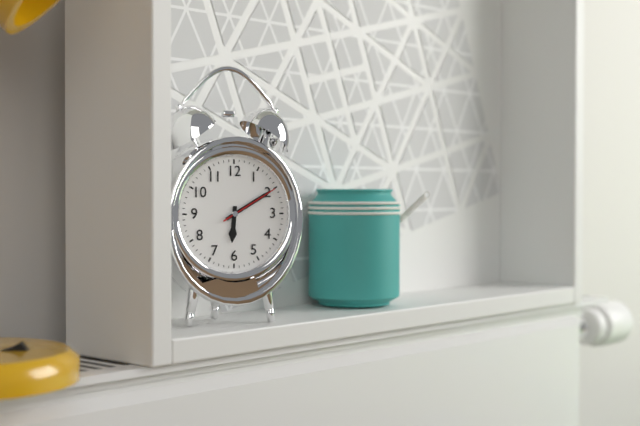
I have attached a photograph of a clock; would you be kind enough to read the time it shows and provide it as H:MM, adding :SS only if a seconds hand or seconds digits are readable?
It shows 6:10:10
